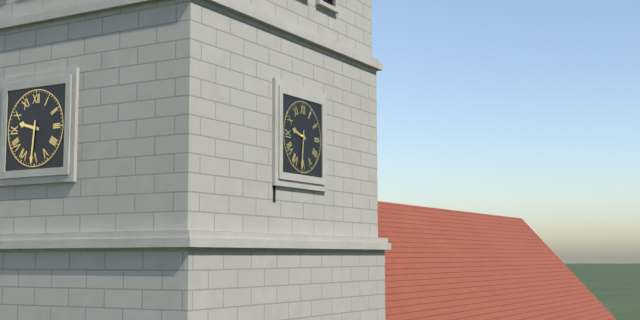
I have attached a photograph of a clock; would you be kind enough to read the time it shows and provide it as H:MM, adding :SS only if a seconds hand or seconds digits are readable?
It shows 9:31
